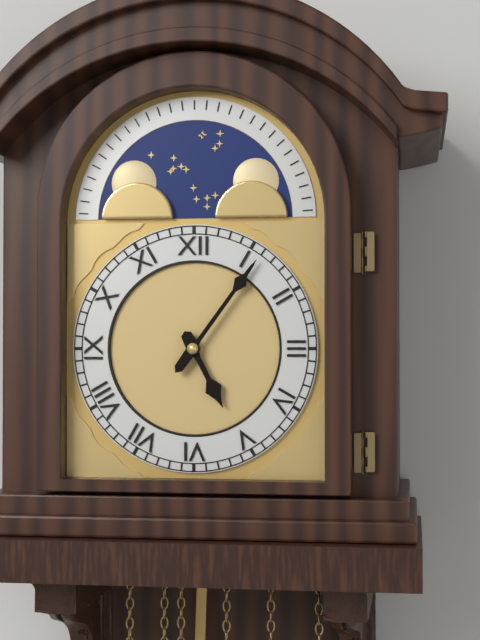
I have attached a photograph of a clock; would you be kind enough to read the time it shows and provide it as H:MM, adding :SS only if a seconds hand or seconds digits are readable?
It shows 5:06
